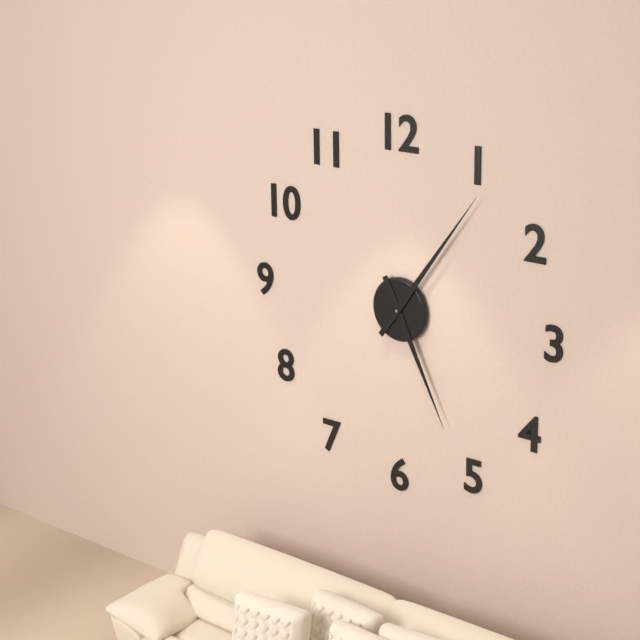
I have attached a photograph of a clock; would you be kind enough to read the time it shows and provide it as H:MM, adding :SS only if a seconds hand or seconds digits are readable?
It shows 5:06
